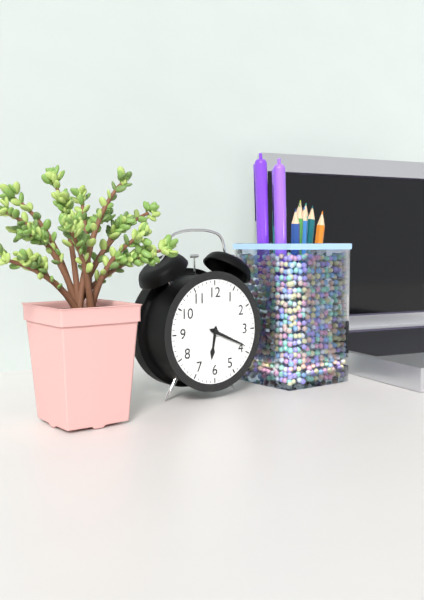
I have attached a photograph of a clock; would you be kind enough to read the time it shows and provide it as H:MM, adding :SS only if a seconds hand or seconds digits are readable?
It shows 6:19
